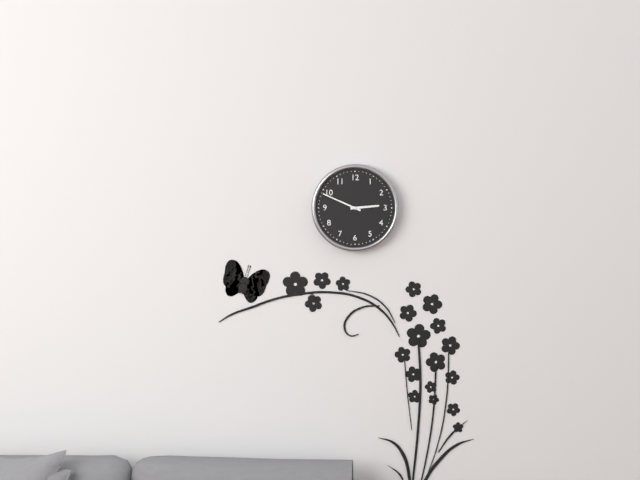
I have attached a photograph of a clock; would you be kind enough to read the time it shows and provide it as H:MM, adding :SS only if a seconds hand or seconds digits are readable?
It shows 2:49
